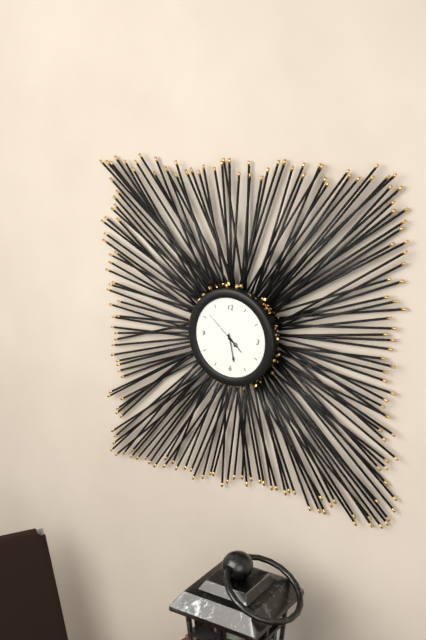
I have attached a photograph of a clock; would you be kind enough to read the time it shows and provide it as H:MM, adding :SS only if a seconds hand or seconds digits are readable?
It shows 4:28
